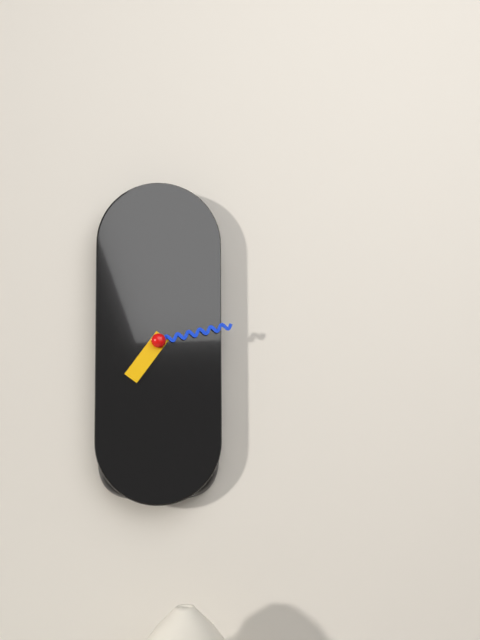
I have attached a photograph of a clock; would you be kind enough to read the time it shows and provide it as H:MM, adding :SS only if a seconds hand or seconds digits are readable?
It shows 7:13
